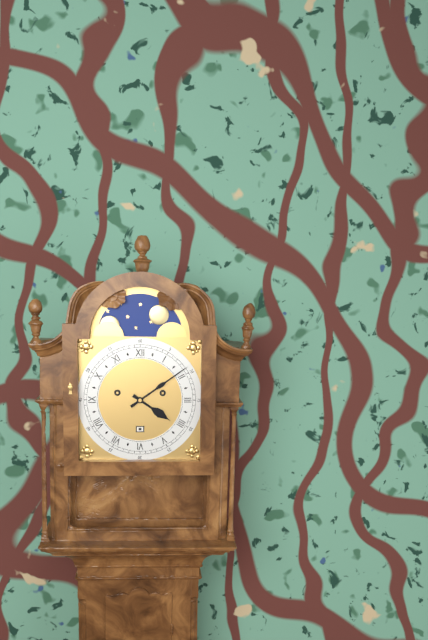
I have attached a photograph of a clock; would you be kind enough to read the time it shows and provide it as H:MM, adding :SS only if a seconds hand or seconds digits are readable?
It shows 4:09
